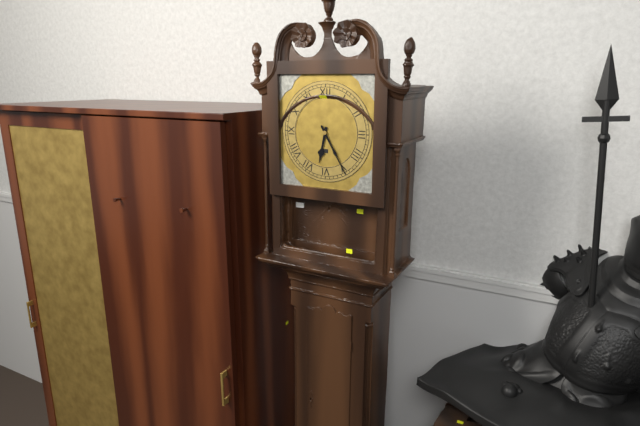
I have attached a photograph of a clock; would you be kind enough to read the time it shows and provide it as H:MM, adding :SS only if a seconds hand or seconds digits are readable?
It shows 6:25
